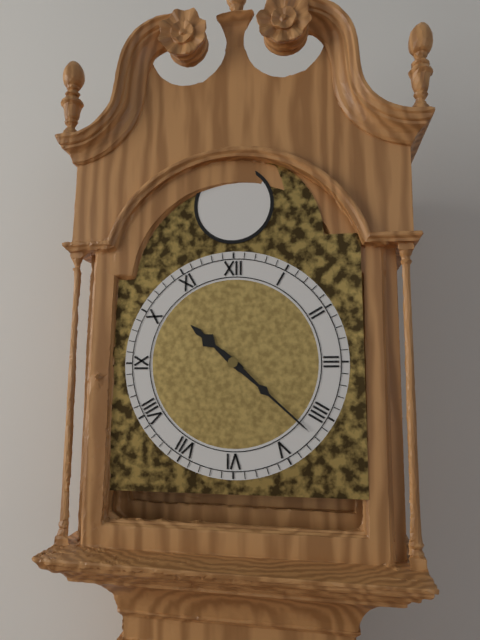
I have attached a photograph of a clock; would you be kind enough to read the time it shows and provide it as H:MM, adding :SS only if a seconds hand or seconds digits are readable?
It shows 10:22
